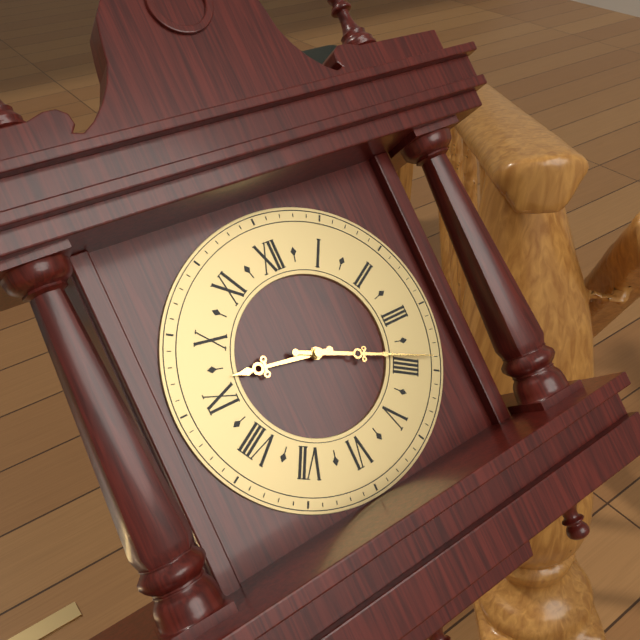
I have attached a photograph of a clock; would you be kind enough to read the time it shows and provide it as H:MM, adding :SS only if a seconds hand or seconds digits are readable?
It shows 9:19
